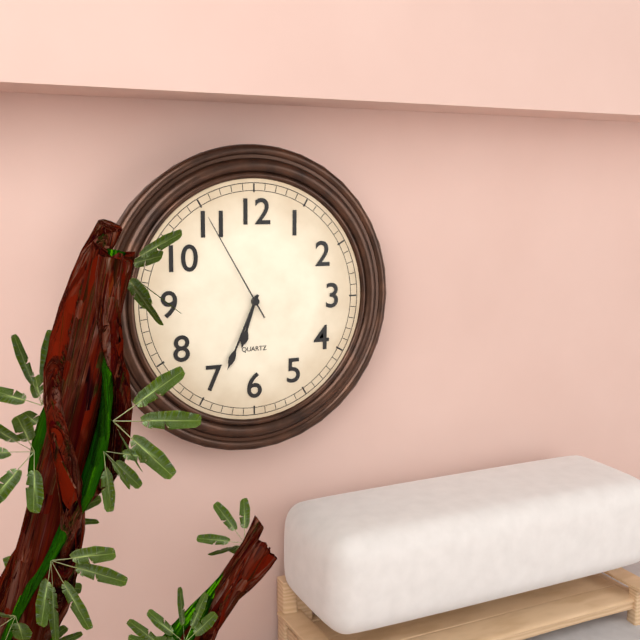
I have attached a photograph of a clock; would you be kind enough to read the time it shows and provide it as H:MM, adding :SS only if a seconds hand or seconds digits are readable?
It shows 6:34:55
